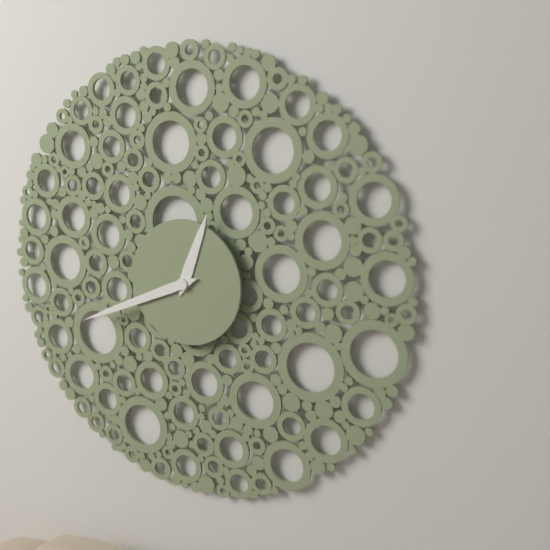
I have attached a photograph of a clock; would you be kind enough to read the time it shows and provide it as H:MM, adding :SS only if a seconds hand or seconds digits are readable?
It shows 12:41
